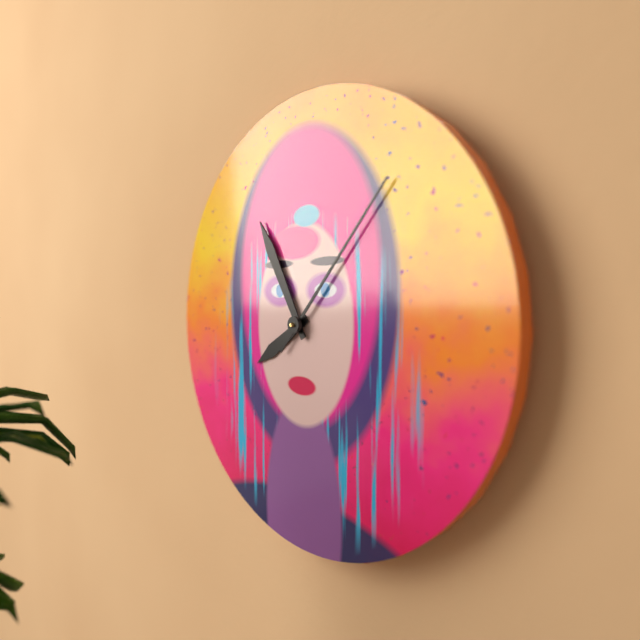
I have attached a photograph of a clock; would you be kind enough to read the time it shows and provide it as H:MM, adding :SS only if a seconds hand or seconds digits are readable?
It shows 7:55:07
